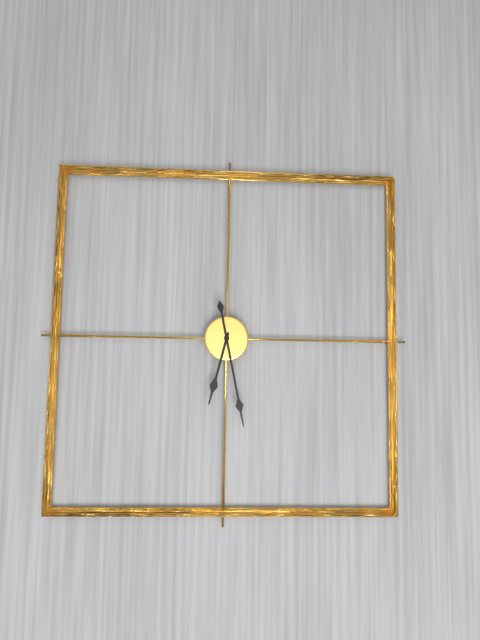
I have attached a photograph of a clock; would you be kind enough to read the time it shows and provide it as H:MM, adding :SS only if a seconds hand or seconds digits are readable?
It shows 6:28
